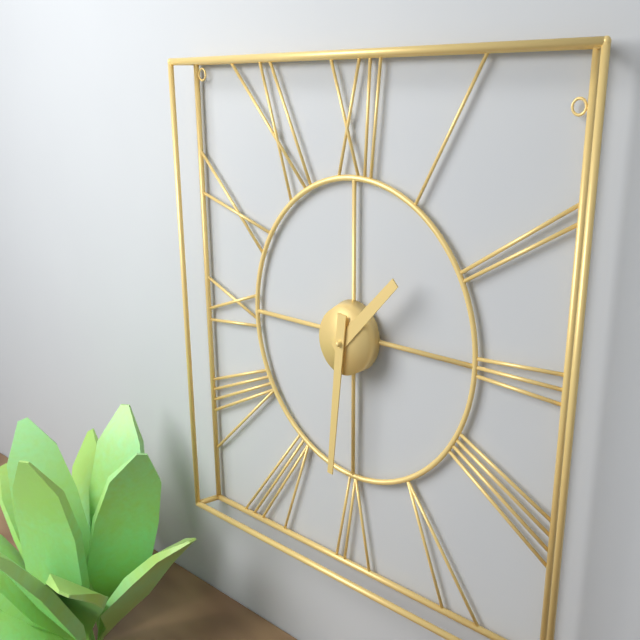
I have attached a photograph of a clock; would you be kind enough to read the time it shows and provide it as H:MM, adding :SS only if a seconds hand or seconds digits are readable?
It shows 1:31
